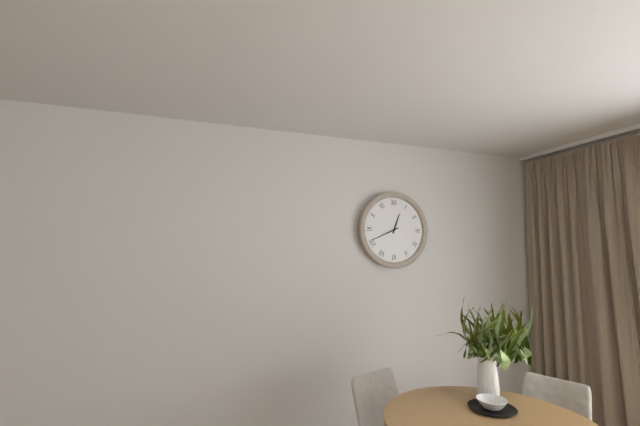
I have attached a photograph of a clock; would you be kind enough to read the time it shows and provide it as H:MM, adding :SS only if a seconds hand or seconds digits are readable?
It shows 12:41
